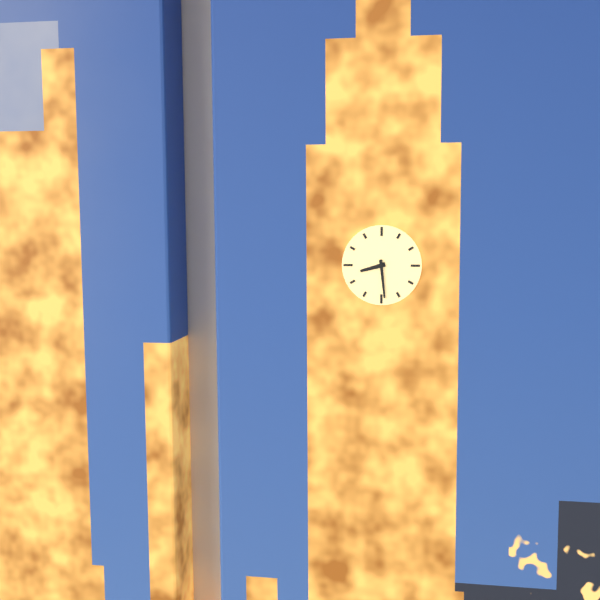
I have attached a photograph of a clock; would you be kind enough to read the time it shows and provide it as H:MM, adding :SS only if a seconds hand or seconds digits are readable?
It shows 8:29
